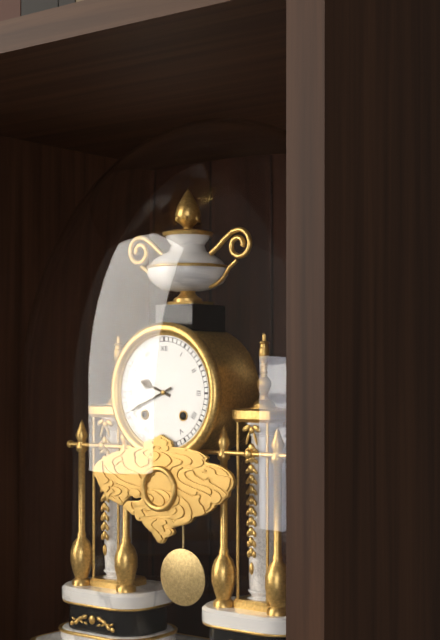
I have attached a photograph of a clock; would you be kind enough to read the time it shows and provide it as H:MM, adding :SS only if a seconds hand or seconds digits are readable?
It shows 9:41
